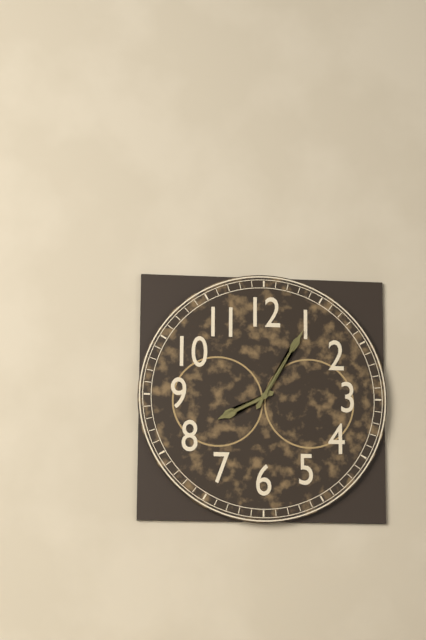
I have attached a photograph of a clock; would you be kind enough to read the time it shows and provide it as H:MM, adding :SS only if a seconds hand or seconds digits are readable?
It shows 8:05
